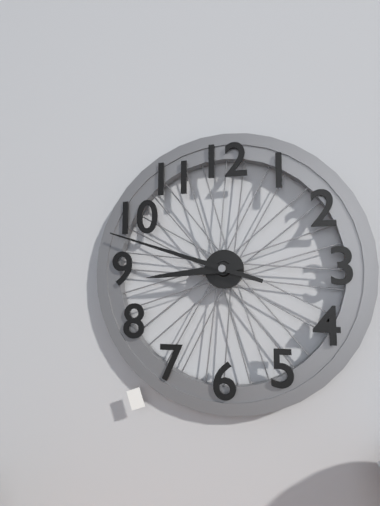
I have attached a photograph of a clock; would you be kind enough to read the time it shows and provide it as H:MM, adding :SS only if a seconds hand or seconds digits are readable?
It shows 8:48
